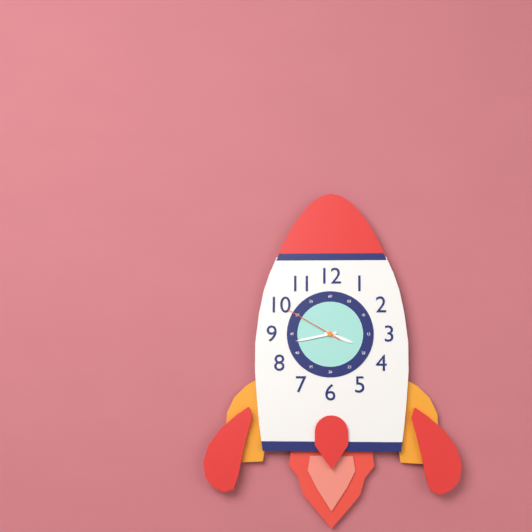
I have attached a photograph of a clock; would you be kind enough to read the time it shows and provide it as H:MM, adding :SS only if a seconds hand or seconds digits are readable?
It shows 3:43:50
